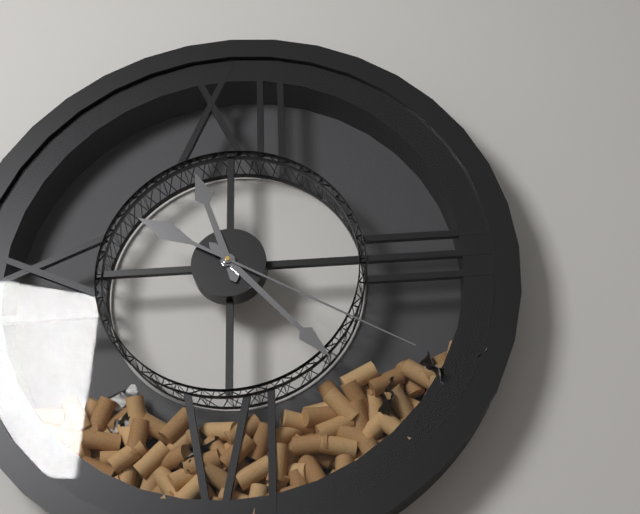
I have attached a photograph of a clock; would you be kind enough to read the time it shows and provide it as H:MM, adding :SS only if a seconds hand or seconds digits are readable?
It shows 11:23:20
